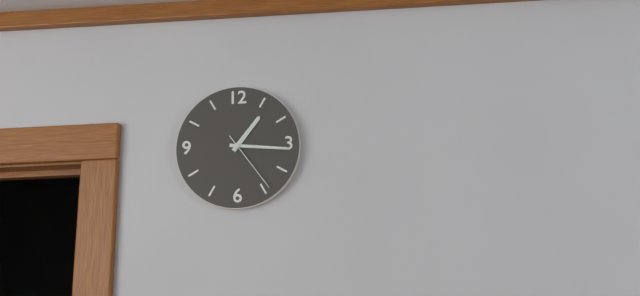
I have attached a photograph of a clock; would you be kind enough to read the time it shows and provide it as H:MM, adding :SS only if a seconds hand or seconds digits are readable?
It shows 1:16:24
